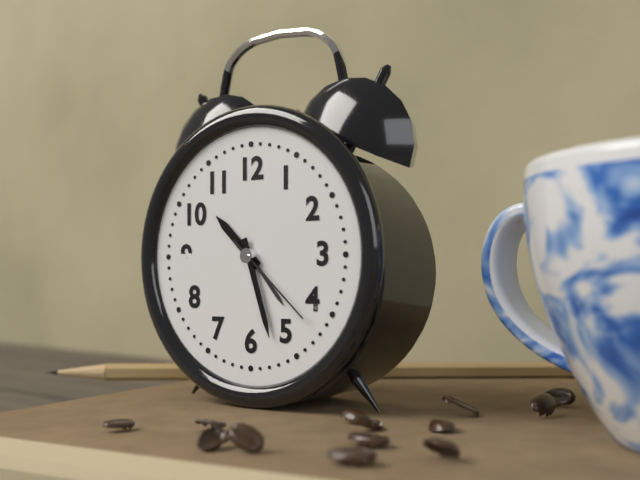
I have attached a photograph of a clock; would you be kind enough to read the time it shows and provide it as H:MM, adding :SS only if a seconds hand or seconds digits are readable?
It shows 10:27:22
